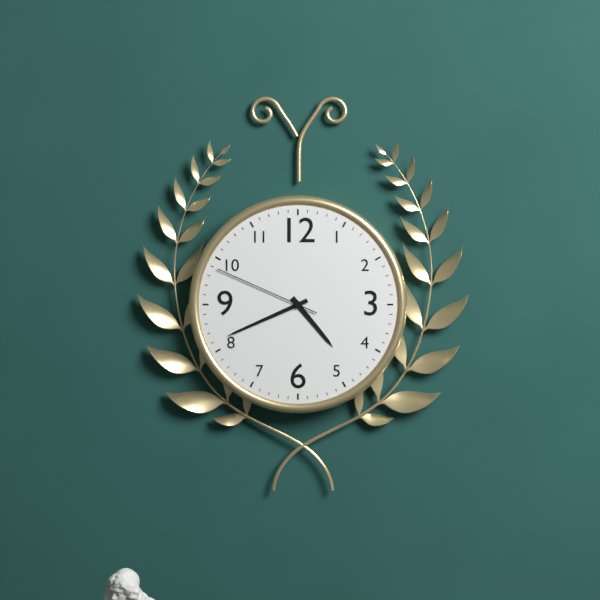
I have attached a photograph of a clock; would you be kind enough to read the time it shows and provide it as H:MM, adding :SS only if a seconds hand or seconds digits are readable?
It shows 4:41:49
